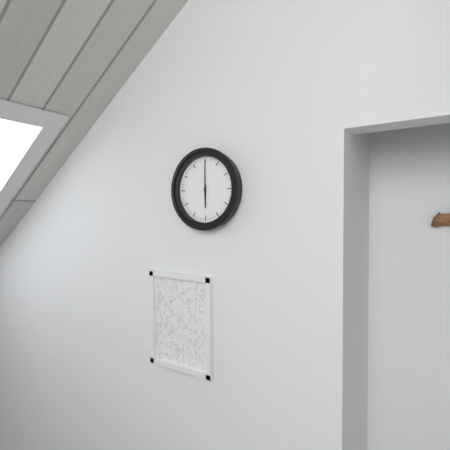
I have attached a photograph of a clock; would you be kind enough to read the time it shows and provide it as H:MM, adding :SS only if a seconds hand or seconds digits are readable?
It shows 6:00
